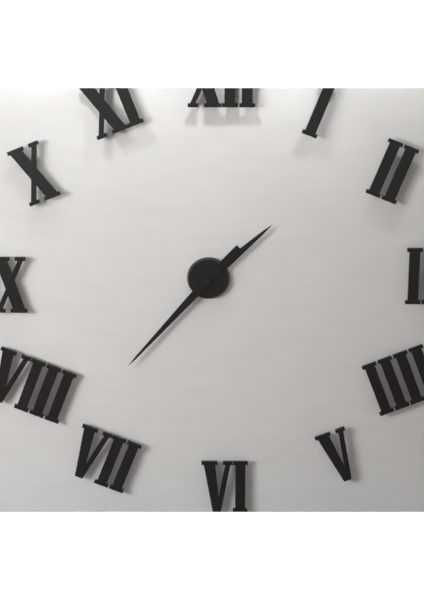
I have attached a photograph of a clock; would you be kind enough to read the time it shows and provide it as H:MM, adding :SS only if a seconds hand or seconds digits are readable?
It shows 1:37
